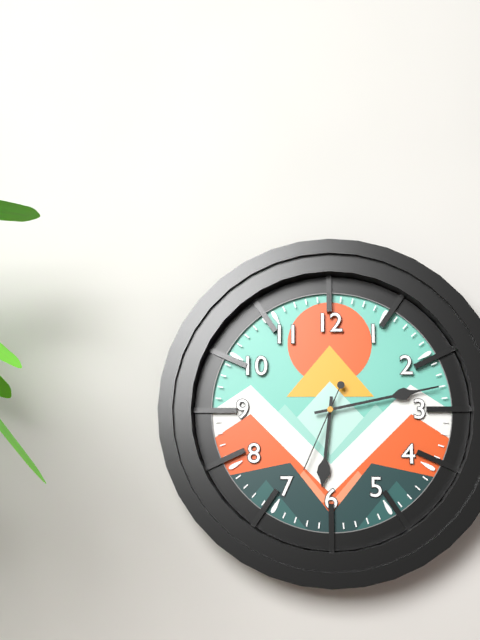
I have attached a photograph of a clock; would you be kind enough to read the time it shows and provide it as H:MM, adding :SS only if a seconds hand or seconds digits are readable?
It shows 6:13:34
